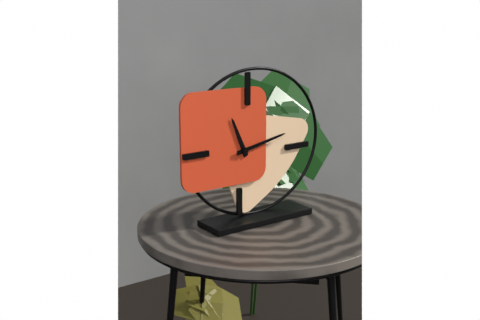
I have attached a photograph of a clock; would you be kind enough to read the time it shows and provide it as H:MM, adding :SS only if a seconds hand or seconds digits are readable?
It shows 11:13
